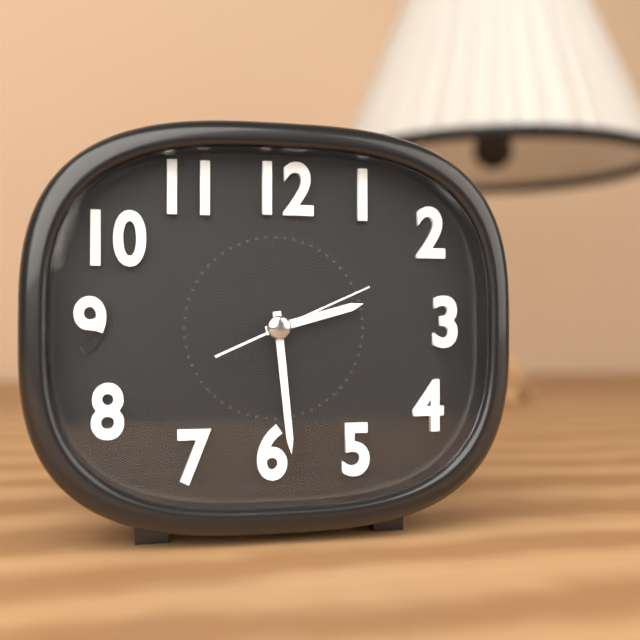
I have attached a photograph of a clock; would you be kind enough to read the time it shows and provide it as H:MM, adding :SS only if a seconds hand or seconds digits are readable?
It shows 2:29:11
